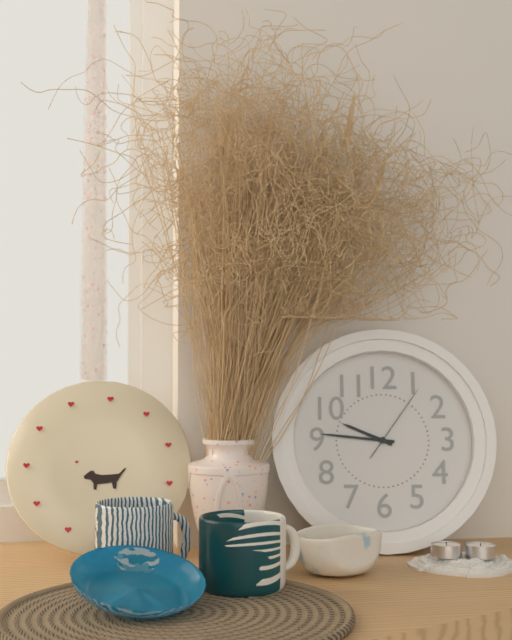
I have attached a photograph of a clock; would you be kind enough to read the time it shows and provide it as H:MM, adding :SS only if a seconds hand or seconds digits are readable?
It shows 9:46:06
